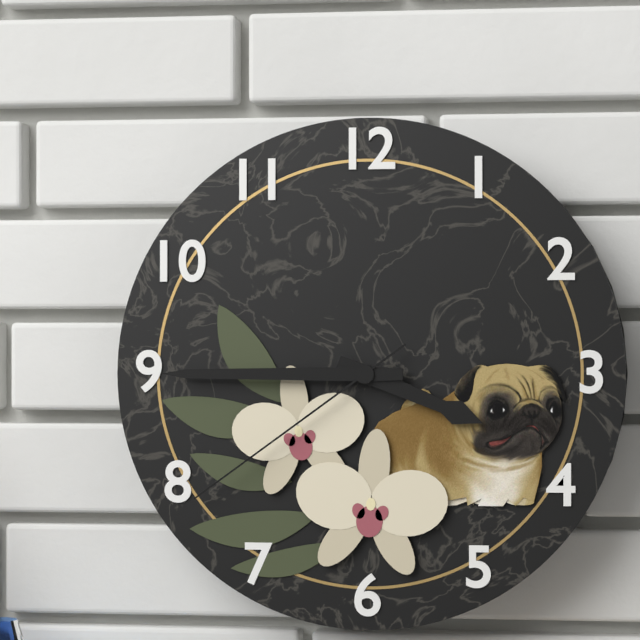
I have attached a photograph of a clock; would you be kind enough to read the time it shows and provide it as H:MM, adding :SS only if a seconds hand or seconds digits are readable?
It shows 3:45:39
